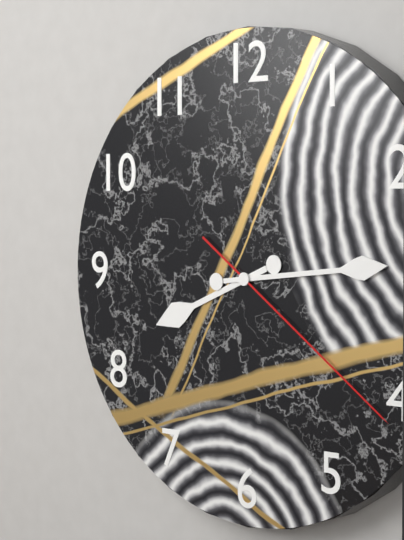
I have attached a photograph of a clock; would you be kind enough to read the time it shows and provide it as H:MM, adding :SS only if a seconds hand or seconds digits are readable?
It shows 8:14:21
